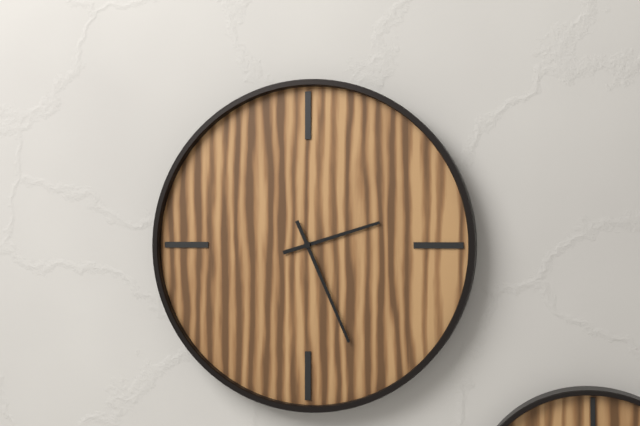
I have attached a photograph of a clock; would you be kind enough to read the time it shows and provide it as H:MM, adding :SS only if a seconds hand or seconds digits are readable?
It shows 2:26
